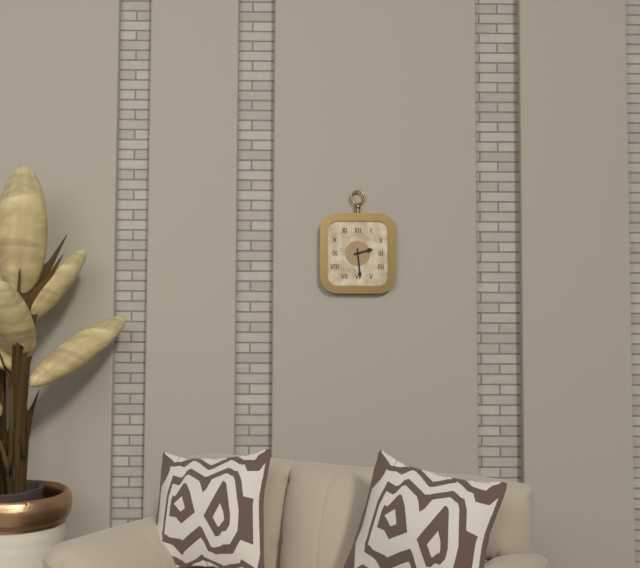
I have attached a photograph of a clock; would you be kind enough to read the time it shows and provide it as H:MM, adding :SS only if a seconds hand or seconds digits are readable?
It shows 2:29
